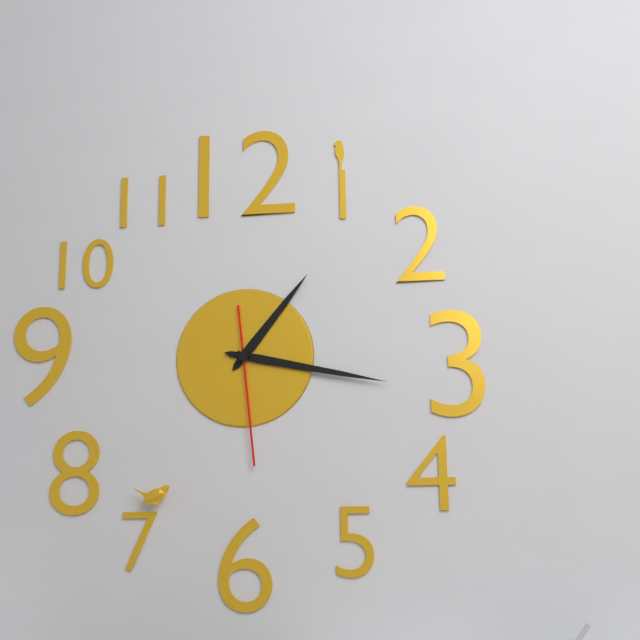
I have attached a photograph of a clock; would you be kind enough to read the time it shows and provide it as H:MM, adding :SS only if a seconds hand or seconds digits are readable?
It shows 1:17:29
